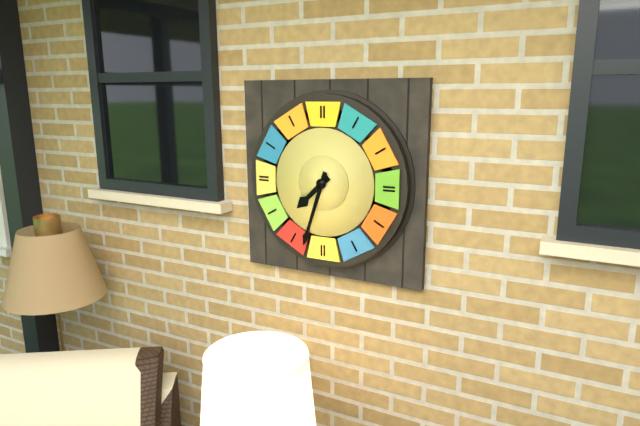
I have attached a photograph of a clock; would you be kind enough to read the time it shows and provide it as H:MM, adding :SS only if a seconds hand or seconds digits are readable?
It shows 7:33
